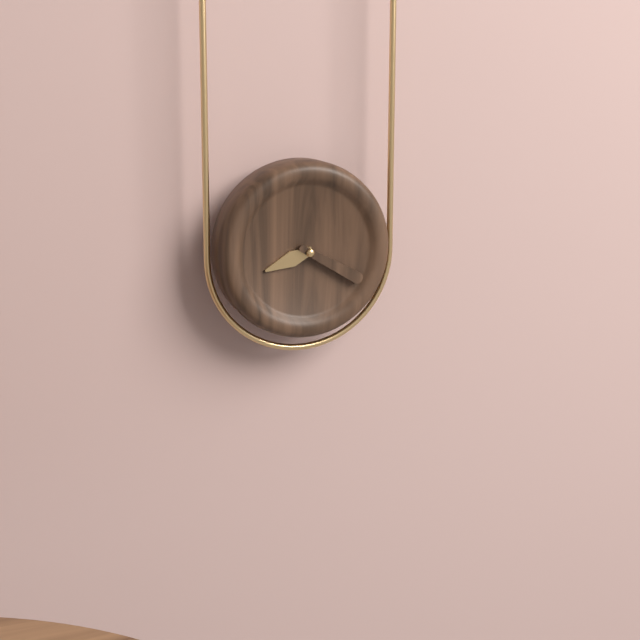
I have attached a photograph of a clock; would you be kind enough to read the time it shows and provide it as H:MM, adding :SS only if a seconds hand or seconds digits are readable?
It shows 8:20
